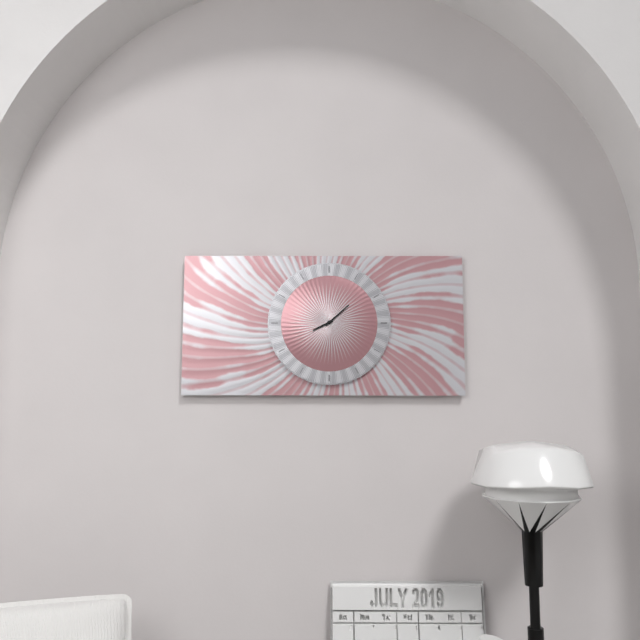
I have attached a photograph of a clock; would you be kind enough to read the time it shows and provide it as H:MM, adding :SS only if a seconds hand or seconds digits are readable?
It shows 8:08
